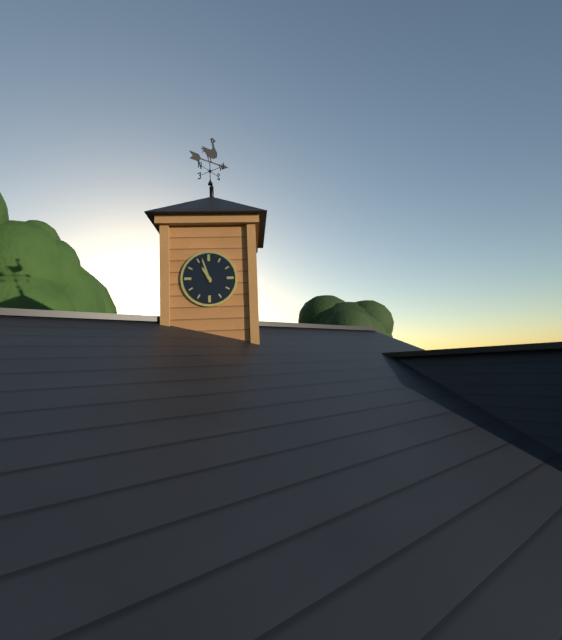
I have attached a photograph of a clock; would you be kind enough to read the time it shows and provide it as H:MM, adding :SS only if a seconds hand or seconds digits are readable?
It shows 10:57
